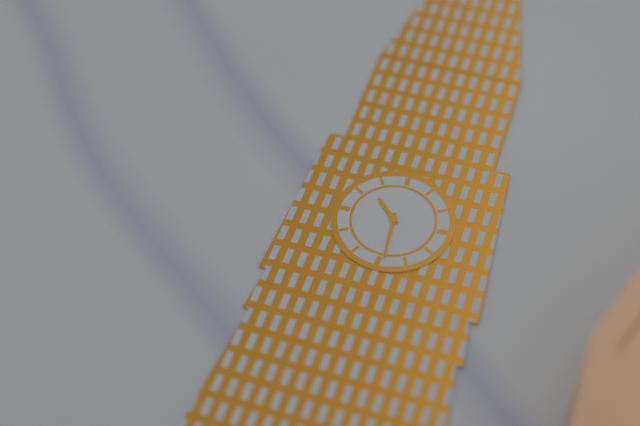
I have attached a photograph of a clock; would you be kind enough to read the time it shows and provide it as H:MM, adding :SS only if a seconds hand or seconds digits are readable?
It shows 10:29
